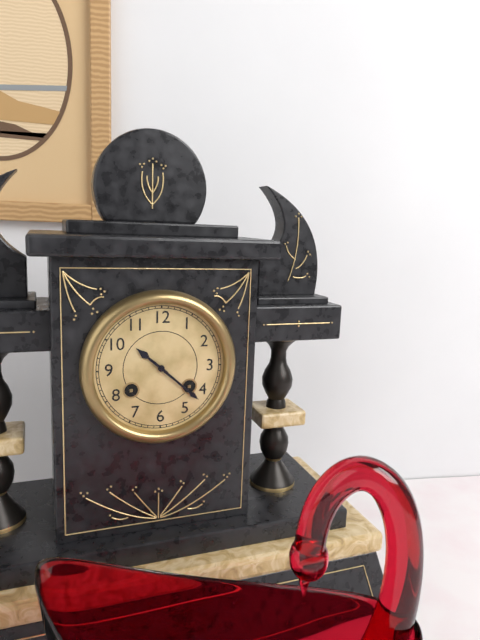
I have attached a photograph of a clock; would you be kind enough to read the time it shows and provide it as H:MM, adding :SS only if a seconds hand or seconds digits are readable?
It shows 10:22
